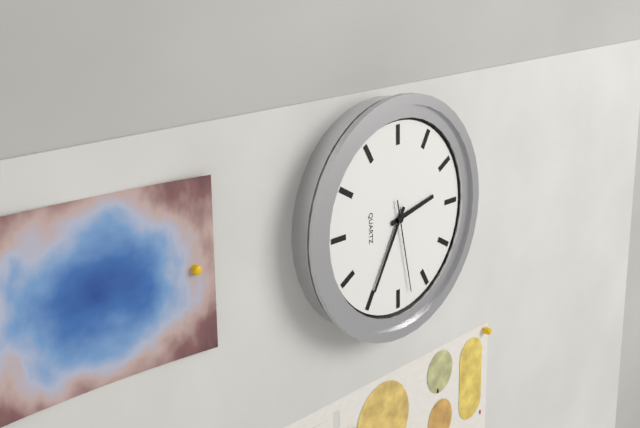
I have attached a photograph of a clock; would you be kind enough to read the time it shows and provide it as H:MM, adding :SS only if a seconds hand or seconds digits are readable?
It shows 2:35:28
